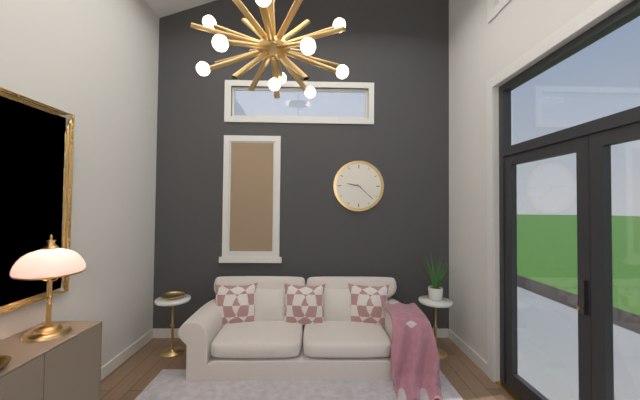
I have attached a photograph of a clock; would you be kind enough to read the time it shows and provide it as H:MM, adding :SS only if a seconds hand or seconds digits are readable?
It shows 9:22
